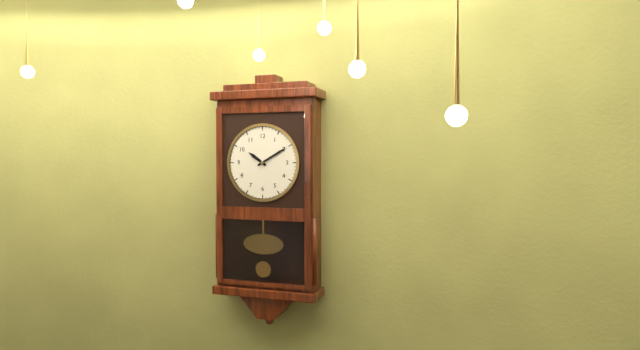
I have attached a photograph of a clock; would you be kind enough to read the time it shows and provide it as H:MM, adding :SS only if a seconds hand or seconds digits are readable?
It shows 10:10
